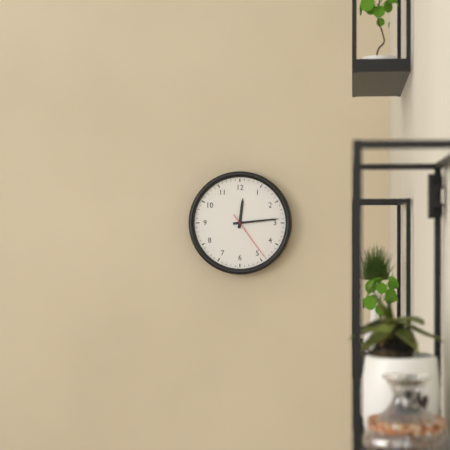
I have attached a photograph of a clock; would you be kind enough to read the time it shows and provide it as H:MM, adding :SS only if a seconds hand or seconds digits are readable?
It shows 12:14:24
